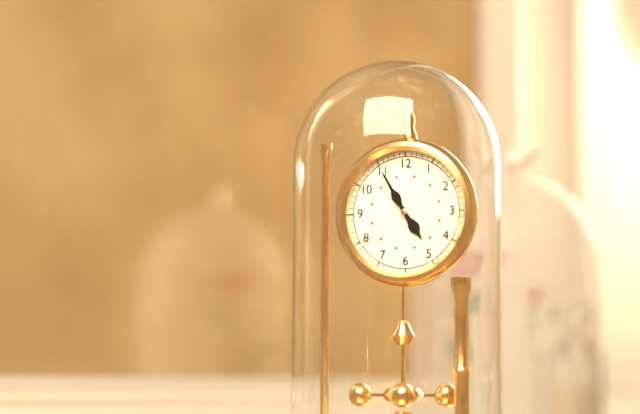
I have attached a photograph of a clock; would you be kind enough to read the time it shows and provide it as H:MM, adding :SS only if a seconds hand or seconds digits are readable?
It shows 4:55
